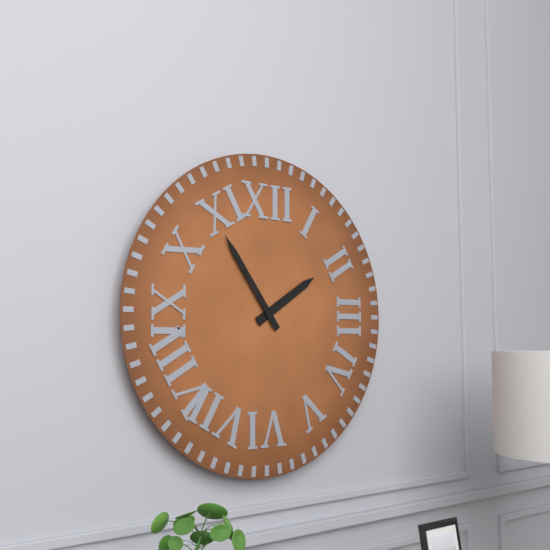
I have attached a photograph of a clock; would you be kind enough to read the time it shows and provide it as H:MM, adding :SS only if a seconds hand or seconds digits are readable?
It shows 1:54
